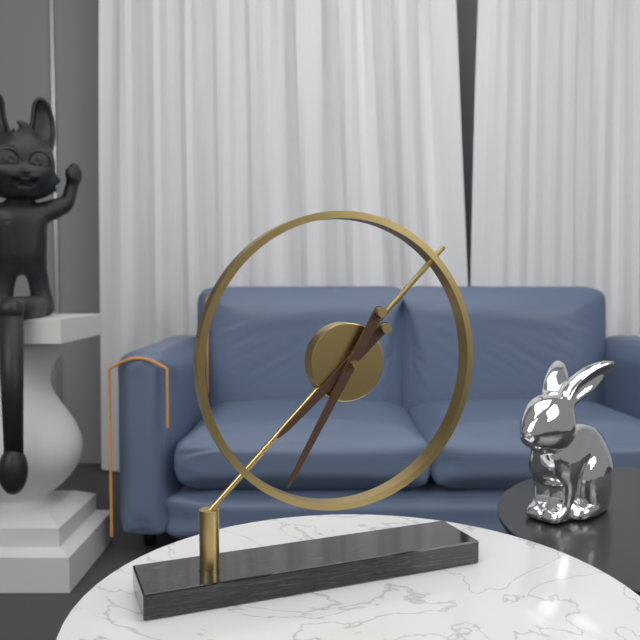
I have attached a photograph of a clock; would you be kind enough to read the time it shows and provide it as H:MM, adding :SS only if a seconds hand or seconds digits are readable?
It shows 7:35
